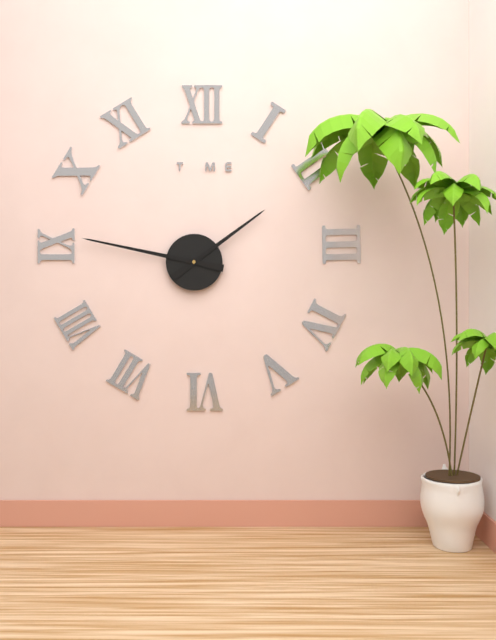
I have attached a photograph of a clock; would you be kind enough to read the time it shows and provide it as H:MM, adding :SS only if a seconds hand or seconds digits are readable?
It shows 1:47
